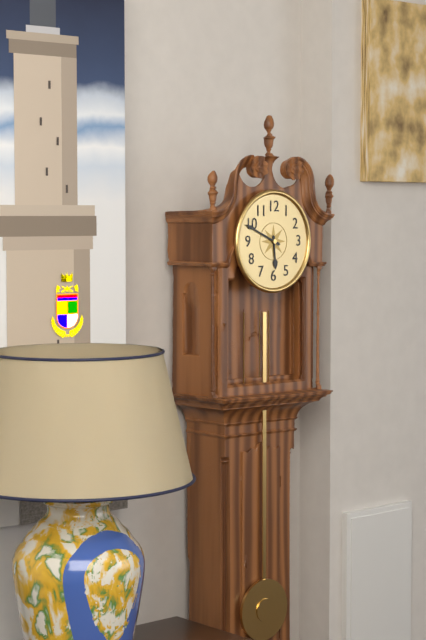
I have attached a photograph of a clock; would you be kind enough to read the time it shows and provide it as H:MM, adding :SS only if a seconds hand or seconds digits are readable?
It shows 5:49
